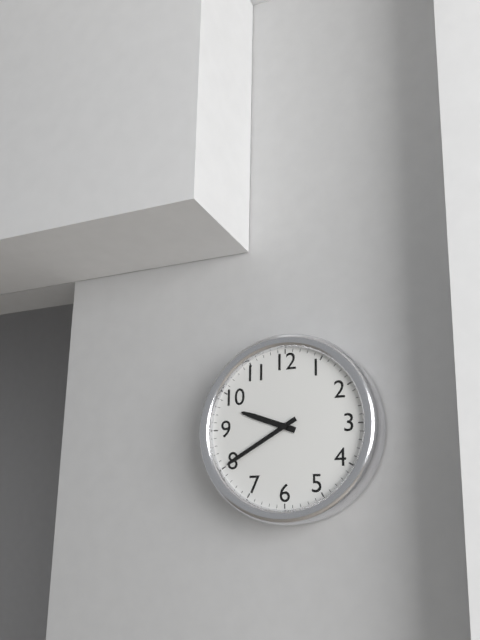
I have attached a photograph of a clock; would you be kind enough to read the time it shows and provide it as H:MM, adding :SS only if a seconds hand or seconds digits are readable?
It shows 9:40
